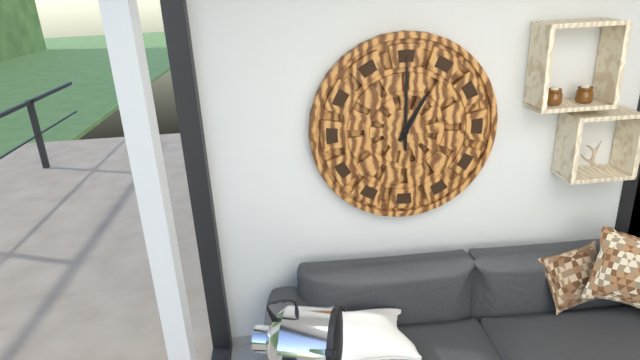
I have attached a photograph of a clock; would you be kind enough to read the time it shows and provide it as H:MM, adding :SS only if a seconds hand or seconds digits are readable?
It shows 1:00
